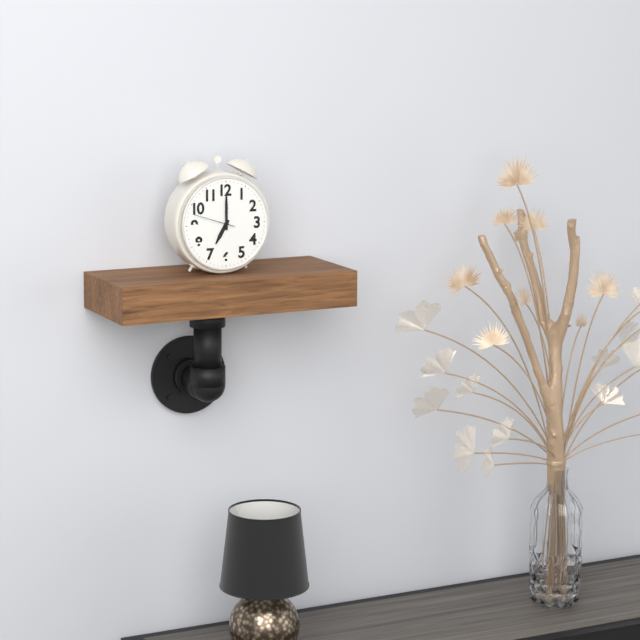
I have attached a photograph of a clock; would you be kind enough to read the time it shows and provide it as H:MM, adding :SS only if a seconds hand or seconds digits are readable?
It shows 7:00
